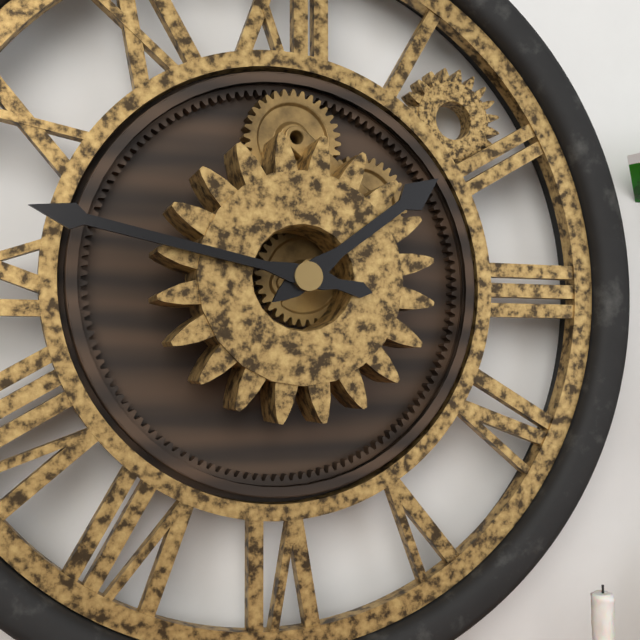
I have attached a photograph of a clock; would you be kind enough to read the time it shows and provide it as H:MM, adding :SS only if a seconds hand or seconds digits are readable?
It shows 1:47
